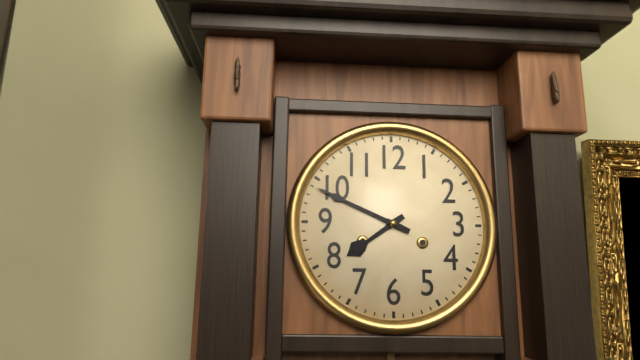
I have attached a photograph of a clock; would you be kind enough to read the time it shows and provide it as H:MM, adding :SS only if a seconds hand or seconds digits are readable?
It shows 7:49
